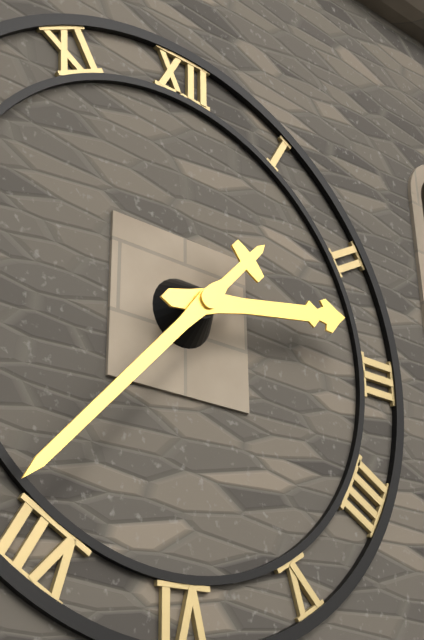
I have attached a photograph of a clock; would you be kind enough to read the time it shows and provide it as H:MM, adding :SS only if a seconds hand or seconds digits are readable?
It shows 2:37
